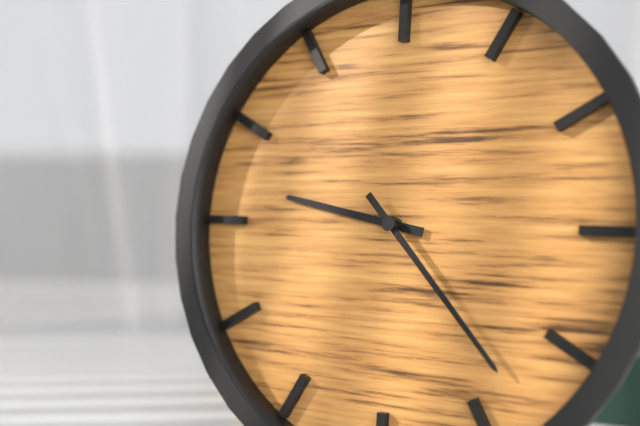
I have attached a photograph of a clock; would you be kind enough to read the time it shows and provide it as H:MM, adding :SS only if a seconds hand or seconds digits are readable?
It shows 9:23
